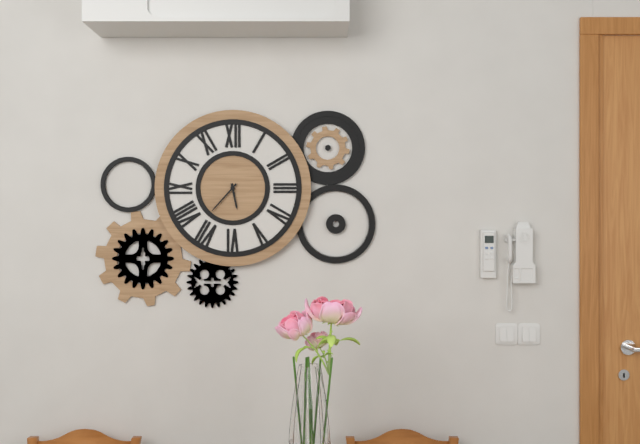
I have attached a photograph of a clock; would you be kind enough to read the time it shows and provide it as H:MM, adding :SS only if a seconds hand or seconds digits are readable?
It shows 5:37
